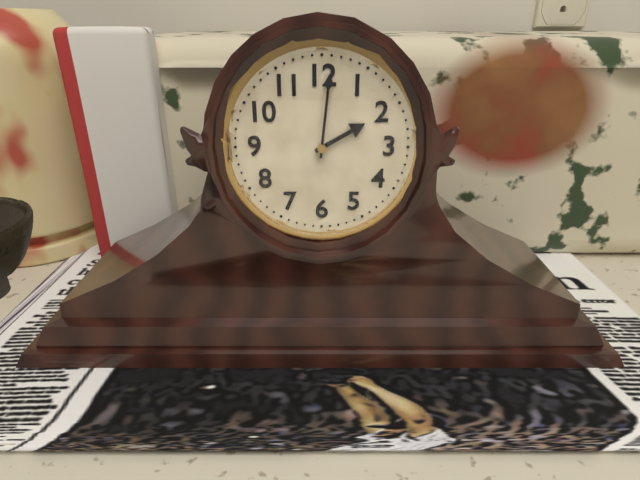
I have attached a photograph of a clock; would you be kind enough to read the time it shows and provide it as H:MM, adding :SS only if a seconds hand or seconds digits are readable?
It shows 2:01
